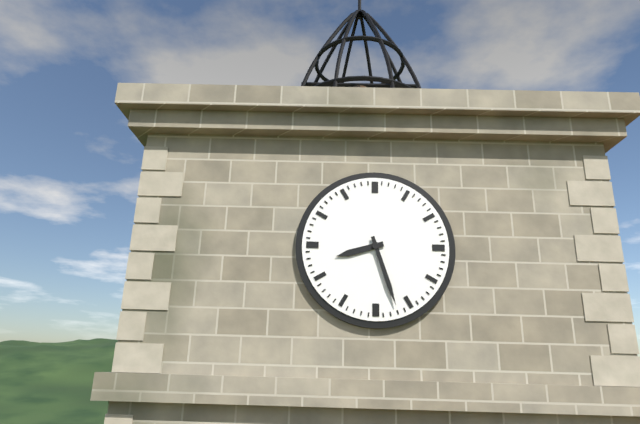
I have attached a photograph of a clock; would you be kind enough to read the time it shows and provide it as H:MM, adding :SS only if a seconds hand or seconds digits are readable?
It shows 8:27
